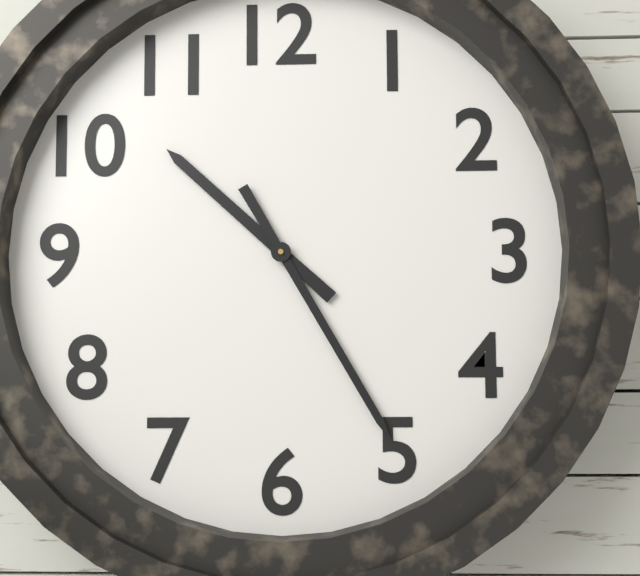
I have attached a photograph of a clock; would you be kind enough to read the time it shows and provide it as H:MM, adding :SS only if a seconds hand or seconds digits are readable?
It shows 10:25
